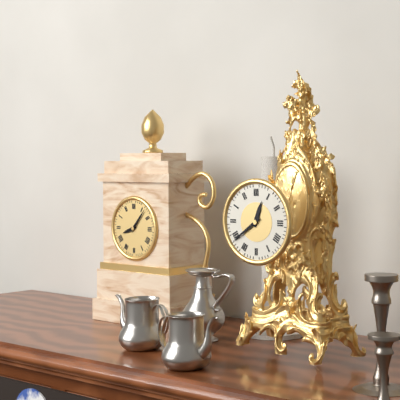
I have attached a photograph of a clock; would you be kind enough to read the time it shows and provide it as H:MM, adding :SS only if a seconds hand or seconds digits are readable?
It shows 12:39
